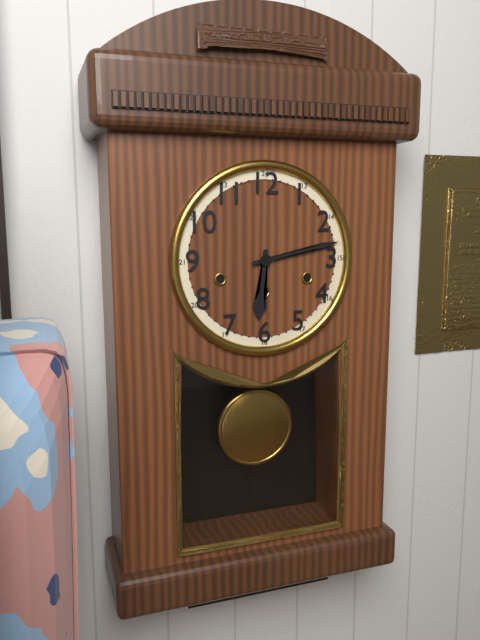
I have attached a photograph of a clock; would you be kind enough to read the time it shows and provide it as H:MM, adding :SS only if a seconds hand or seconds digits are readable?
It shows 6:13
